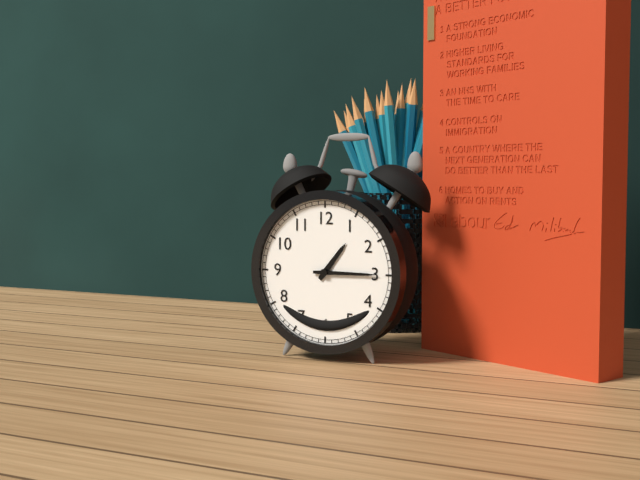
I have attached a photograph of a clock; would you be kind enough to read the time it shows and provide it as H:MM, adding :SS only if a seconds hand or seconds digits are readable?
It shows 1:15
